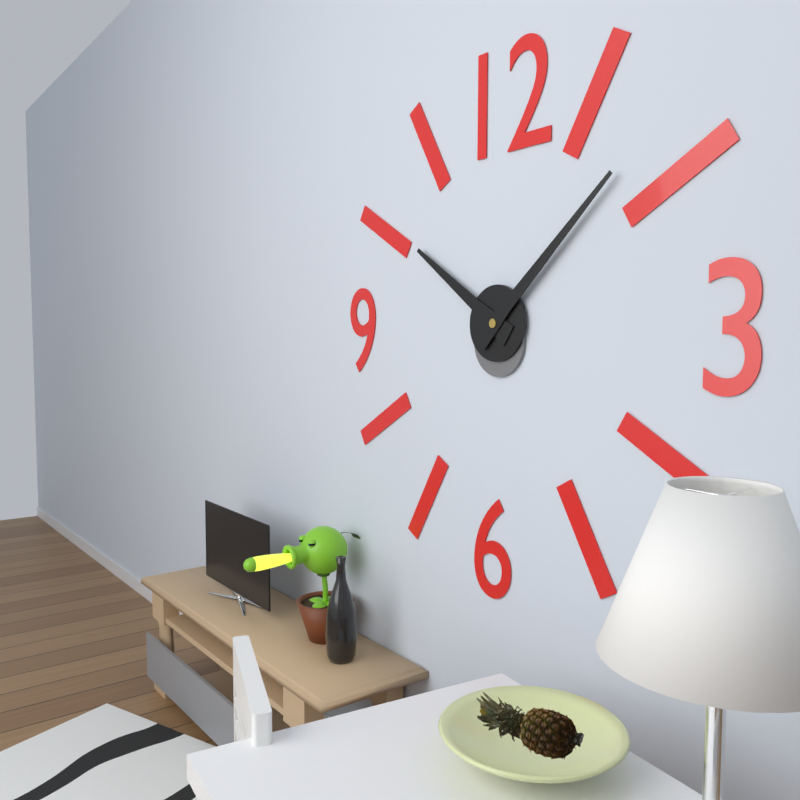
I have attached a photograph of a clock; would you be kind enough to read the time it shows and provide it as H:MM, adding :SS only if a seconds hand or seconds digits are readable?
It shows 10:08
